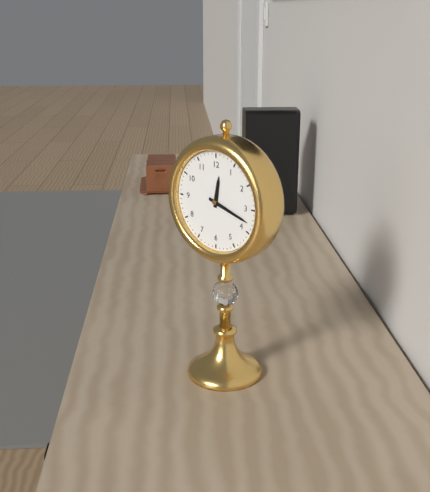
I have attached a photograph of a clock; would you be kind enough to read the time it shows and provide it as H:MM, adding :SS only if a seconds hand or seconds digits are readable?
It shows 12:18
